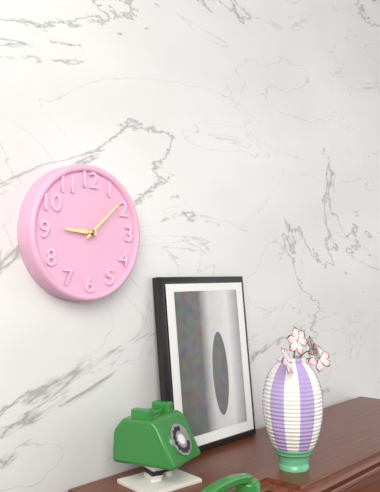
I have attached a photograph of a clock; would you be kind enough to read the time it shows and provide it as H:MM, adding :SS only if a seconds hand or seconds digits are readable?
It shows 9:08
